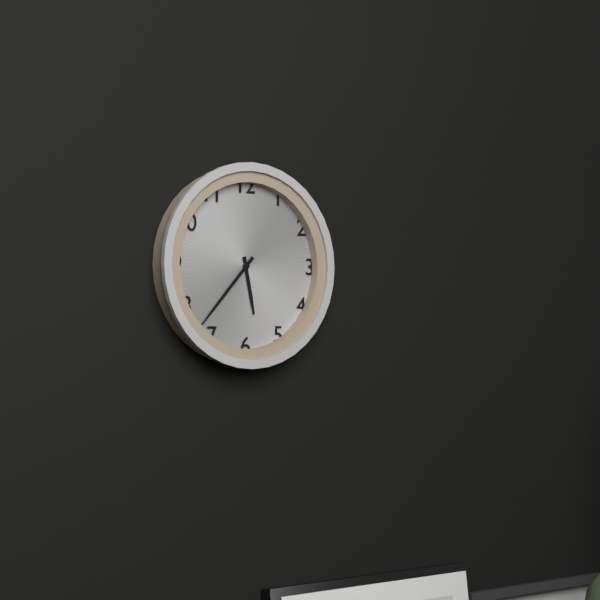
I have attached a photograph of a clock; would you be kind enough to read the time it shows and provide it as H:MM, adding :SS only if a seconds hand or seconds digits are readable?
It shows 5:37
